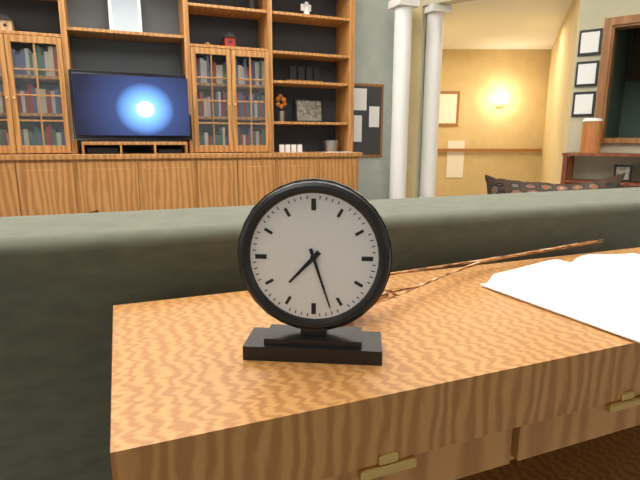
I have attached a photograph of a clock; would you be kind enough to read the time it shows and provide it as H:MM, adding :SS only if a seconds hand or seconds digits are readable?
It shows 7:27
